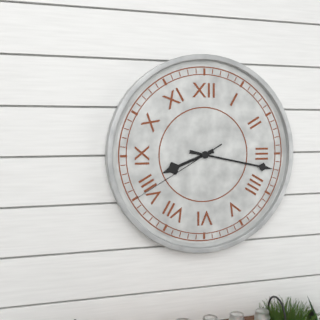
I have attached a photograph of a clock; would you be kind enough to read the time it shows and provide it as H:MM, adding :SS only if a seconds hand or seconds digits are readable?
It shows 8:17:40
